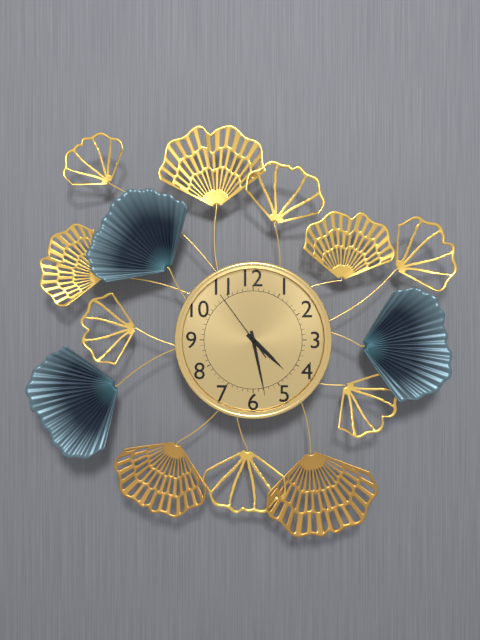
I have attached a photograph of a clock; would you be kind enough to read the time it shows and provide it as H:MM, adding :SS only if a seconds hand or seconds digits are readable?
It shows 4:28:54
